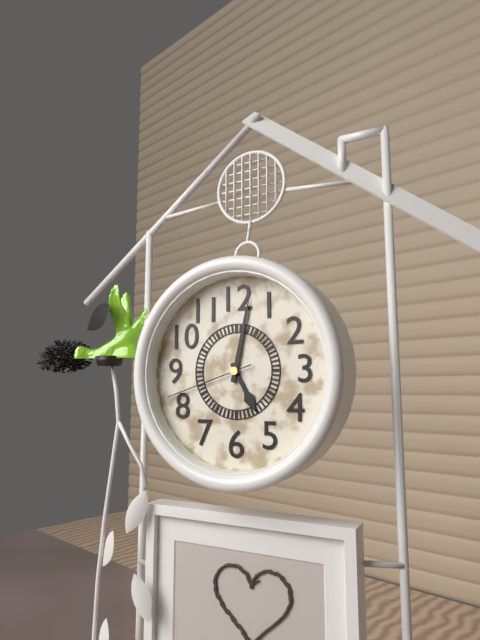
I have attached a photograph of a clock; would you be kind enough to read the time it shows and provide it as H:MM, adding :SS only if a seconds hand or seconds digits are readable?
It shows 5:02:42
